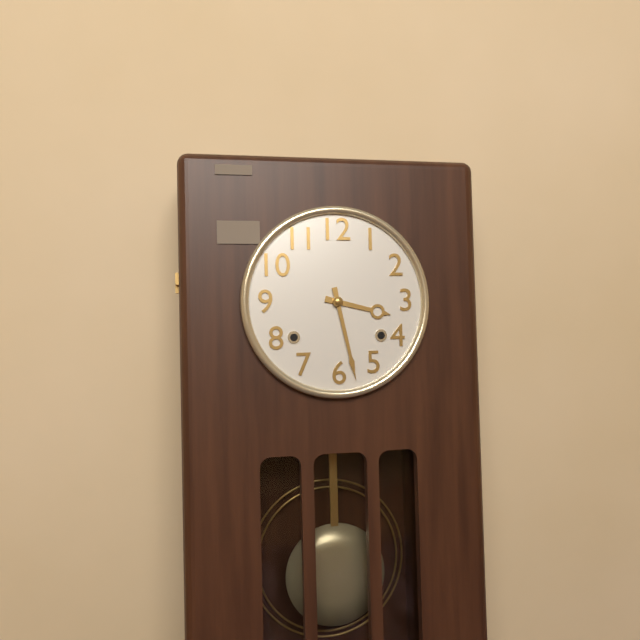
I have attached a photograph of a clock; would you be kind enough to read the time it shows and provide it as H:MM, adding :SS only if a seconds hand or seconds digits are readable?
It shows 3:28
